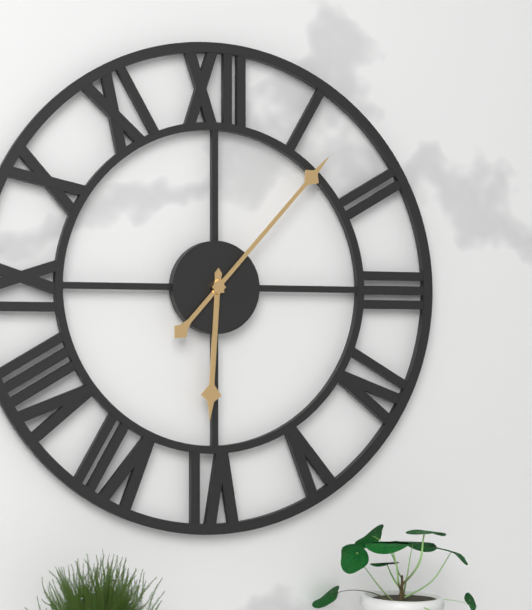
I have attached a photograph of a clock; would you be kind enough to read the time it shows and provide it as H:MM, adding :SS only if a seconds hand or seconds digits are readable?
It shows 6:07
